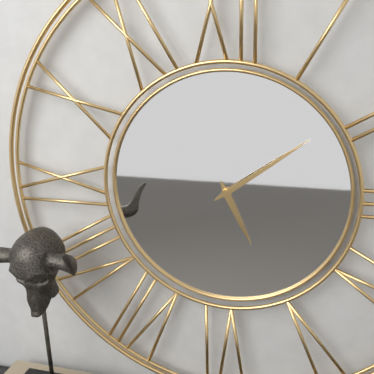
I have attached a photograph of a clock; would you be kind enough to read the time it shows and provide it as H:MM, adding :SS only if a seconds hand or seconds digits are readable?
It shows 5:09
